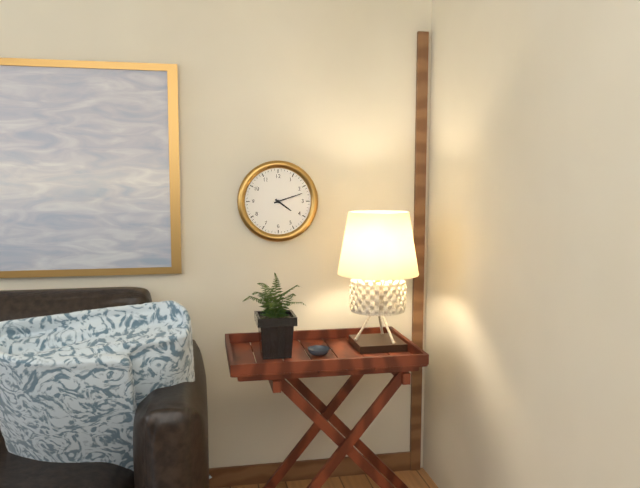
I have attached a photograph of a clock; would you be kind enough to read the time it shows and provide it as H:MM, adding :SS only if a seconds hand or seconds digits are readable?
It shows 4:12
